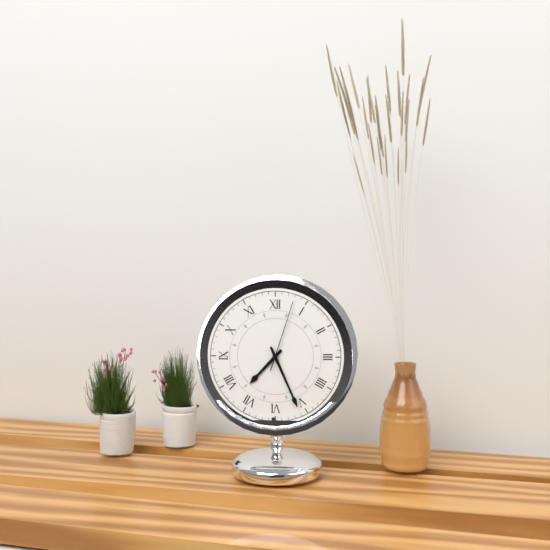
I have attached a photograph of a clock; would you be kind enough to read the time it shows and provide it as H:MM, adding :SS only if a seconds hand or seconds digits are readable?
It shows 7:26:03
